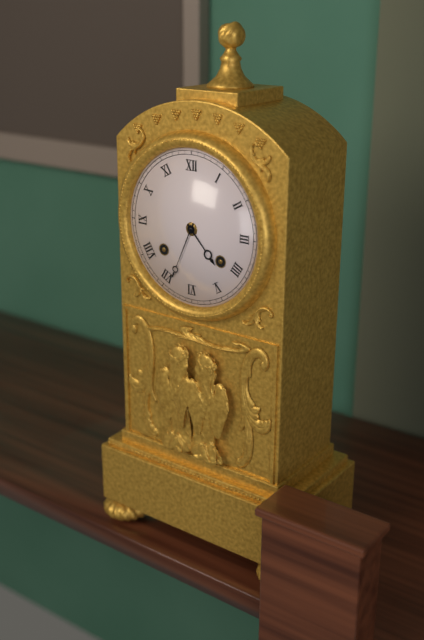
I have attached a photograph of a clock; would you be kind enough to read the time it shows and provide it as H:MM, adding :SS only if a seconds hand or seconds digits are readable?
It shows 4:34
